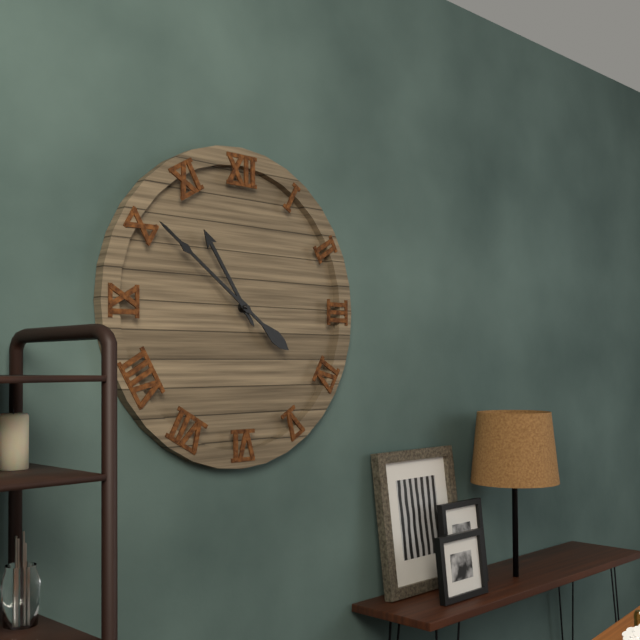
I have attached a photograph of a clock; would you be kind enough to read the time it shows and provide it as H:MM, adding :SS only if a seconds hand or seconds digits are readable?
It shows 10:51
